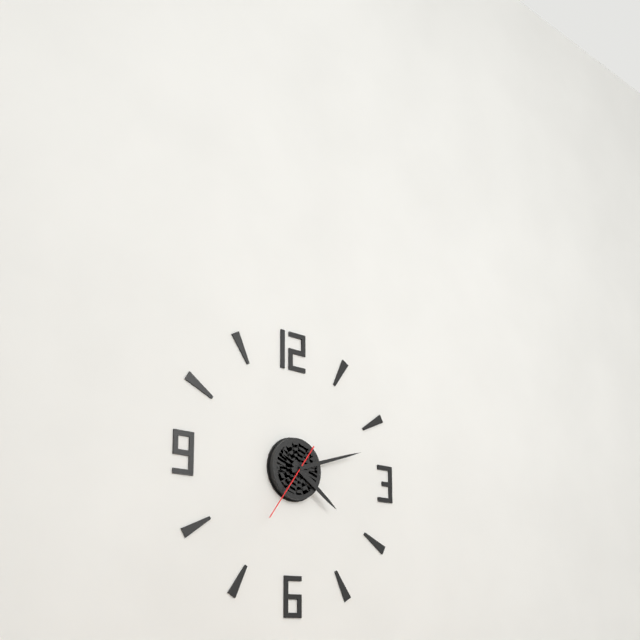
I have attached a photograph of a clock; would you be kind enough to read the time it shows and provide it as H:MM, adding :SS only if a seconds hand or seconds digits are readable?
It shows 4:12:36
